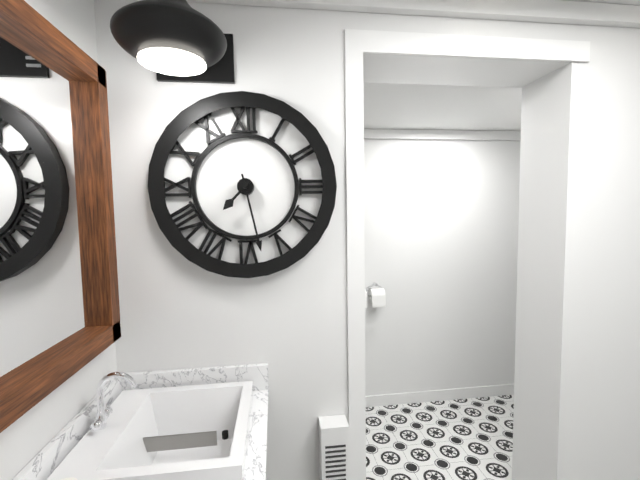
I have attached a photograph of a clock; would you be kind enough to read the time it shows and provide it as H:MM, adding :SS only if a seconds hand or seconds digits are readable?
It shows 7:28
